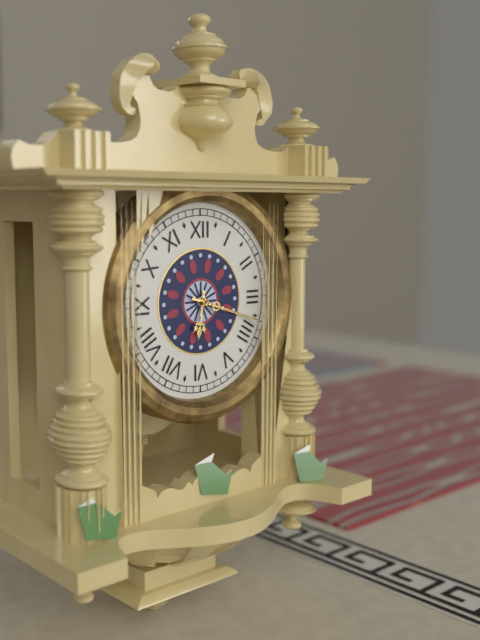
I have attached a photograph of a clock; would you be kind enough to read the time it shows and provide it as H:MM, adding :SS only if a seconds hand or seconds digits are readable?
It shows 6:18
